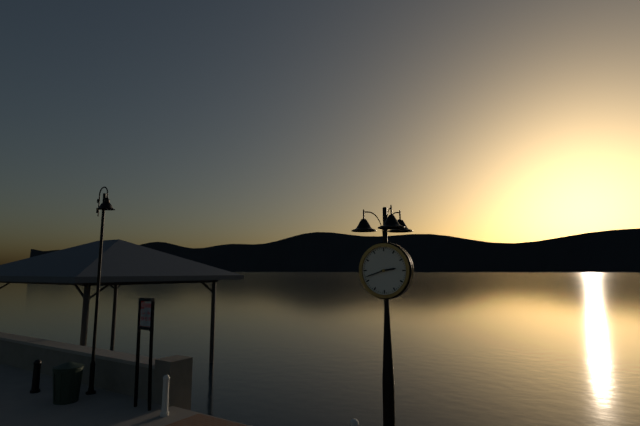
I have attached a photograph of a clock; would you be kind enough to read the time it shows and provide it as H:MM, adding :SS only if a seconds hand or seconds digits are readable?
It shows 2:42
